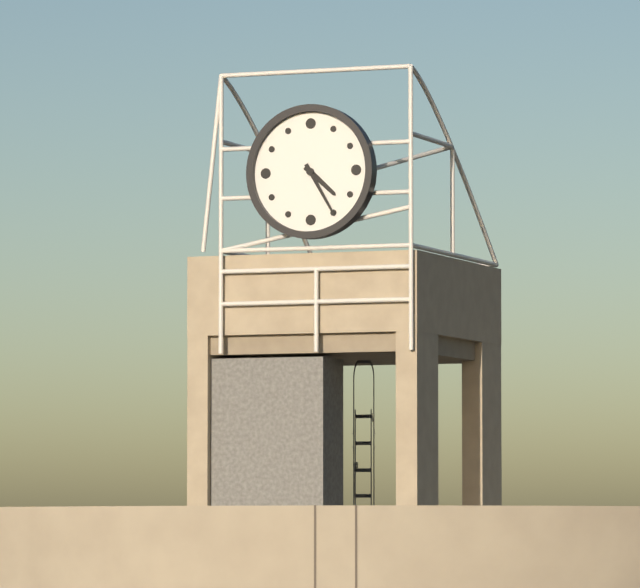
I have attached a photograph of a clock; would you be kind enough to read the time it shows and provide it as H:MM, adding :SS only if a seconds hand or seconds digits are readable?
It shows 4:25
